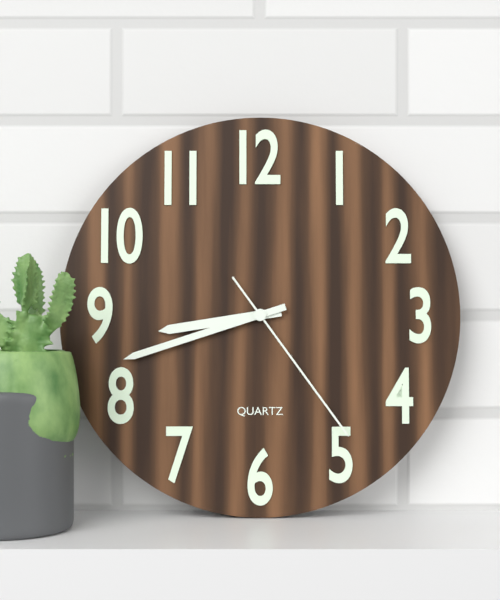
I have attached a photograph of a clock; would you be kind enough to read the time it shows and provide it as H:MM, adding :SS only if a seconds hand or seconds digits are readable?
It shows 8:42:24
